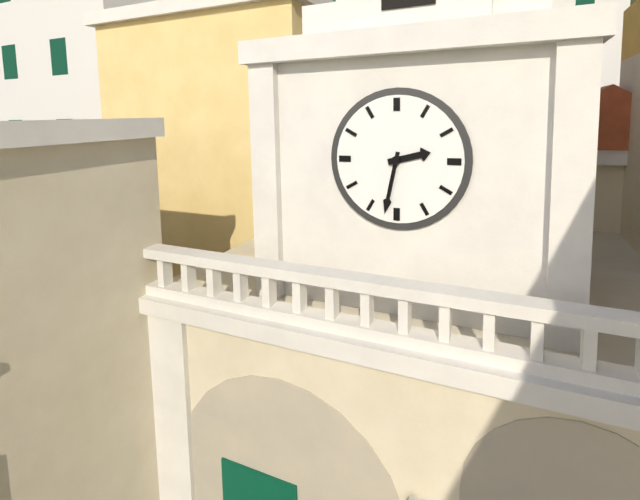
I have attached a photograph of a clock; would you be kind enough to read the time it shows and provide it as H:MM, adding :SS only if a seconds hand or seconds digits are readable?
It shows 2:32
